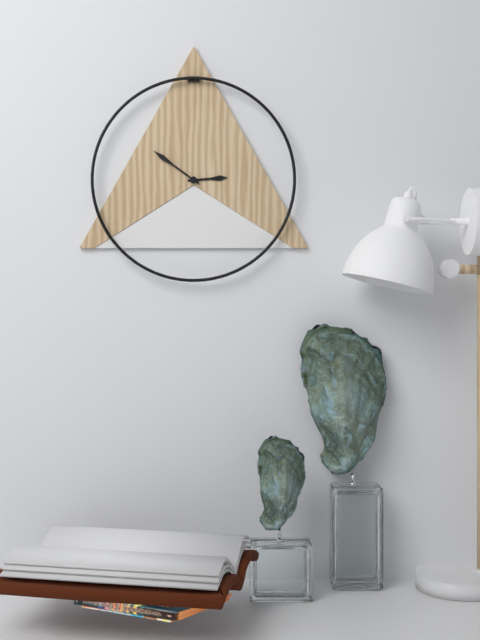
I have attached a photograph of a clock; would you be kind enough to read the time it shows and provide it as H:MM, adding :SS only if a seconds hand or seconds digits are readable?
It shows 2:51
